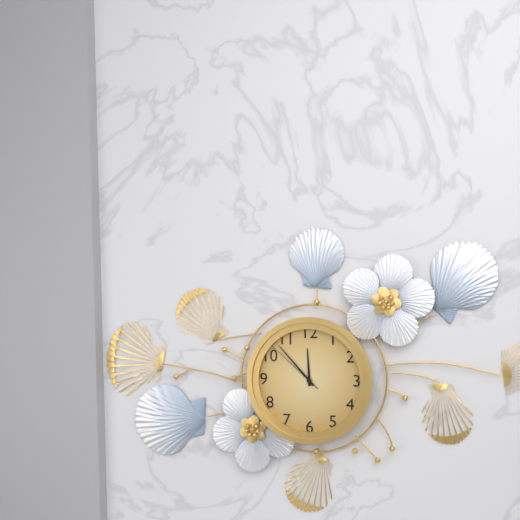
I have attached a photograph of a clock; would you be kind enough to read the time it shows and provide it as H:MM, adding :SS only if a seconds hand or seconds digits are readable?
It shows 11:53:52
